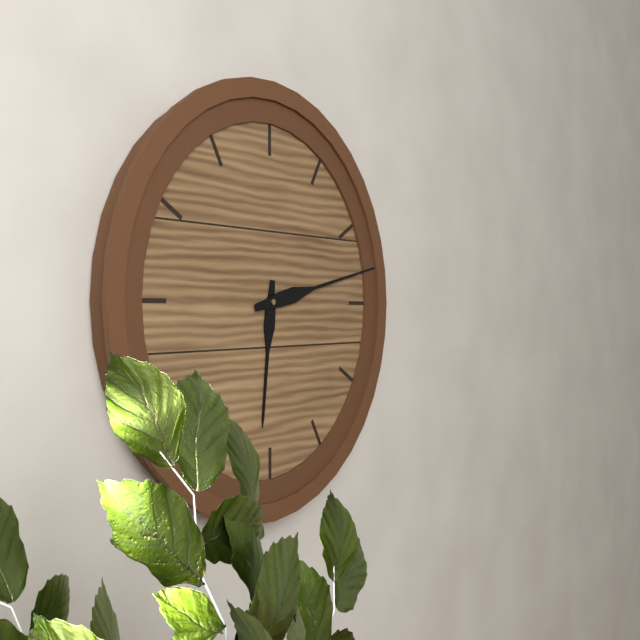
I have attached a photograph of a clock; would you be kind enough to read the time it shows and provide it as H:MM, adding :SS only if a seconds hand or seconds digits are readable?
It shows 6:13
